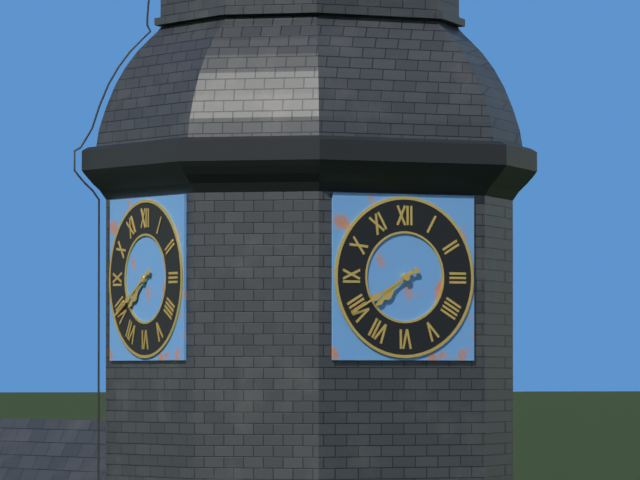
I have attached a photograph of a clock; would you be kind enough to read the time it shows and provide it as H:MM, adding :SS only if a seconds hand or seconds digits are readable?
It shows 7:40
